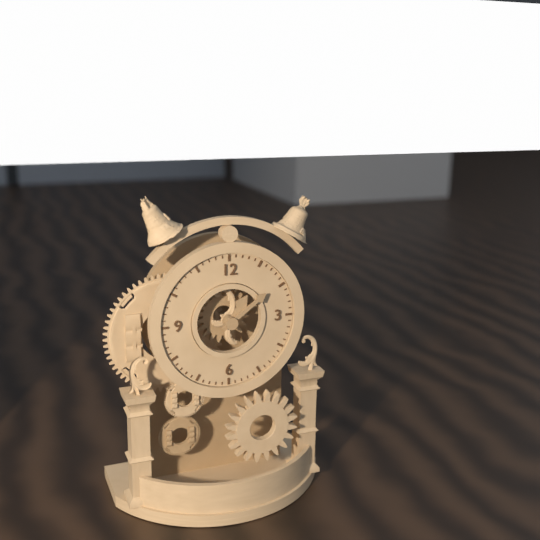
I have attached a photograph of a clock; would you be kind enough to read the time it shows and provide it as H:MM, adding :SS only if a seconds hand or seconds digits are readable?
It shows 1:09
